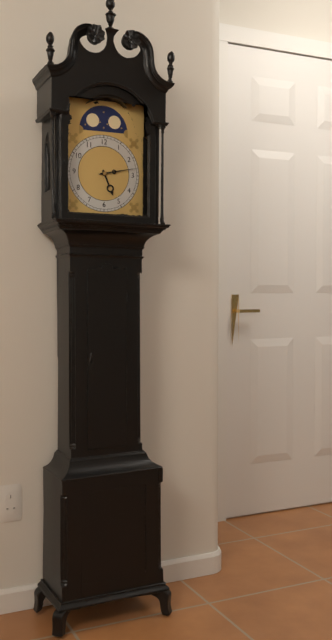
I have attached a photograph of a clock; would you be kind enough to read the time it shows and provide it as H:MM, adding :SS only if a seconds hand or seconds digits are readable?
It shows 5:13
